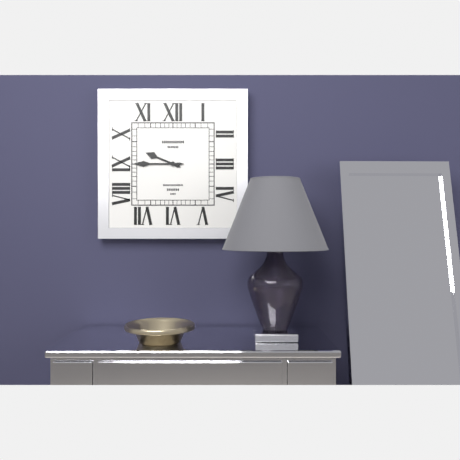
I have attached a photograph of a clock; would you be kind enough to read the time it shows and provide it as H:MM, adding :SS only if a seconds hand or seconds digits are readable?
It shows 9:45
